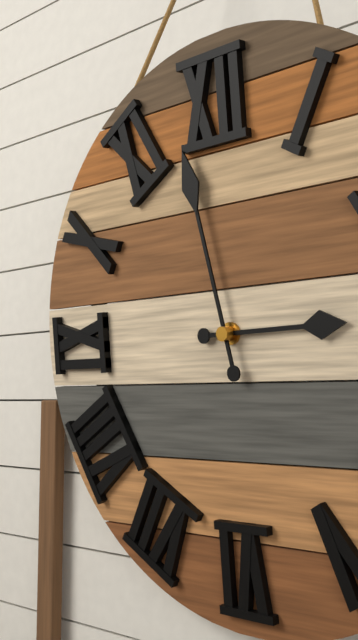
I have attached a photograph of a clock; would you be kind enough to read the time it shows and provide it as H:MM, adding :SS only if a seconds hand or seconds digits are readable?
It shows 2:58
